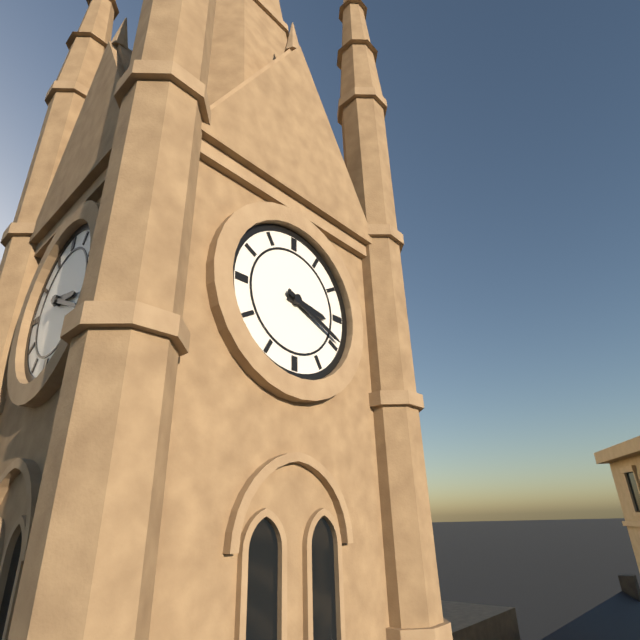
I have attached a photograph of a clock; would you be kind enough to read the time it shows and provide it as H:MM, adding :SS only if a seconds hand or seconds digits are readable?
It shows 3:19
